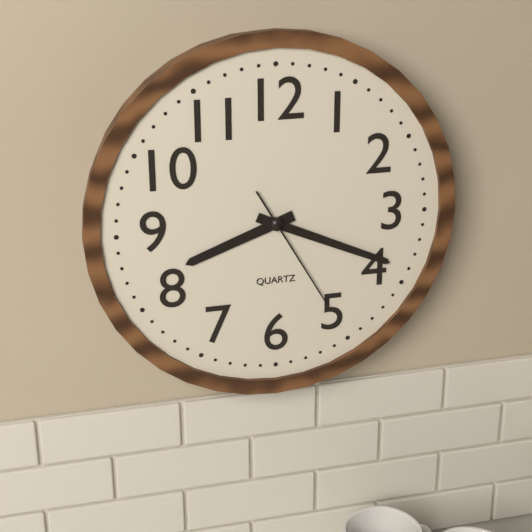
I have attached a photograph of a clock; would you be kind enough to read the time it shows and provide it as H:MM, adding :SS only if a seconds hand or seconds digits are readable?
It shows 8:19:25
